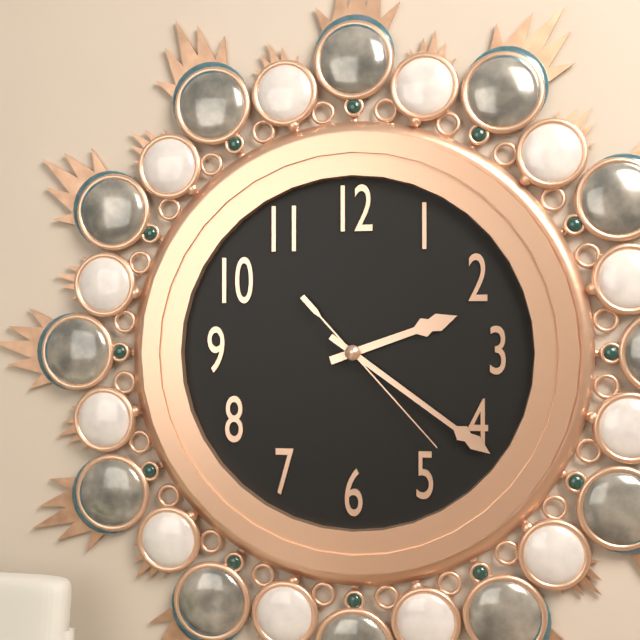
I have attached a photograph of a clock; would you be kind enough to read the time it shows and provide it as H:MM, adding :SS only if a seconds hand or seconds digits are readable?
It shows 2:21:23
